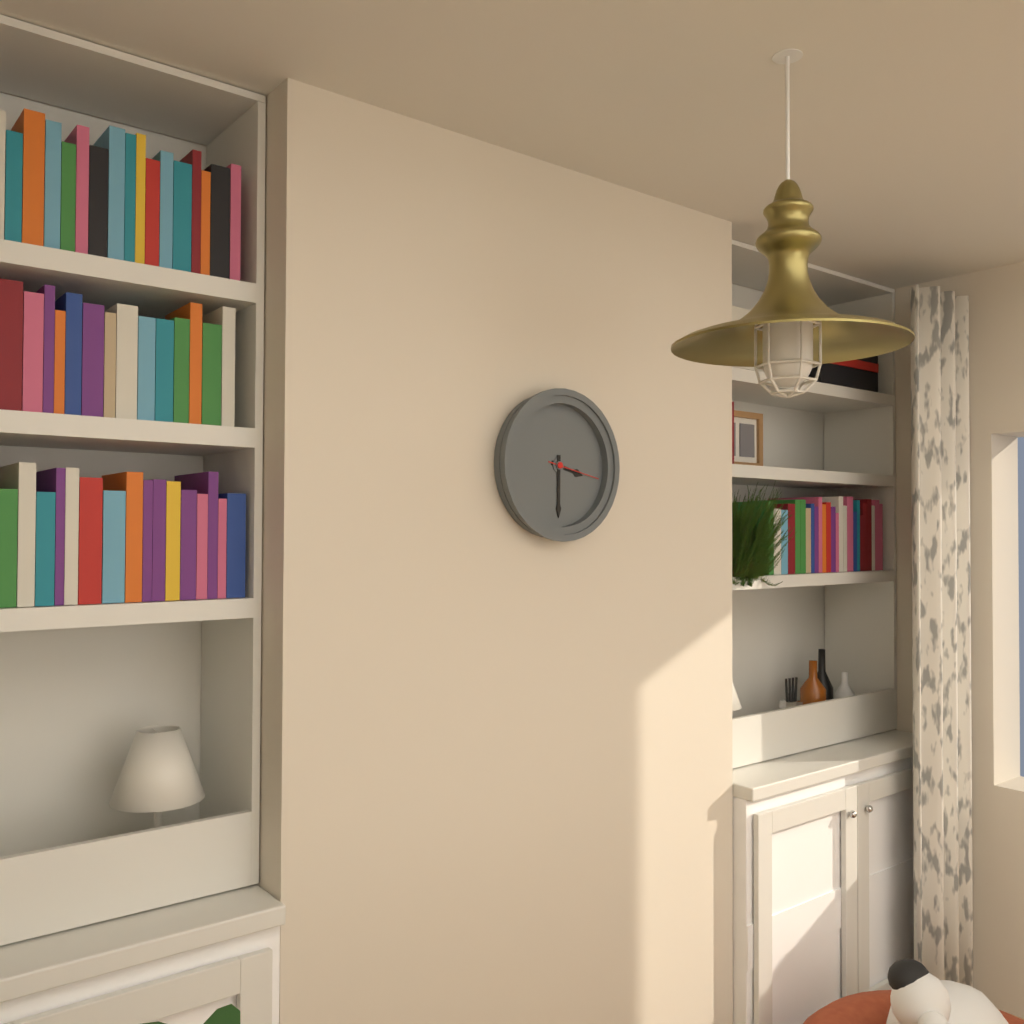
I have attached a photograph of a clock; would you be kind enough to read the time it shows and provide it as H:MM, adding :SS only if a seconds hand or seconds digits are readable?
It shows 3:30:17
